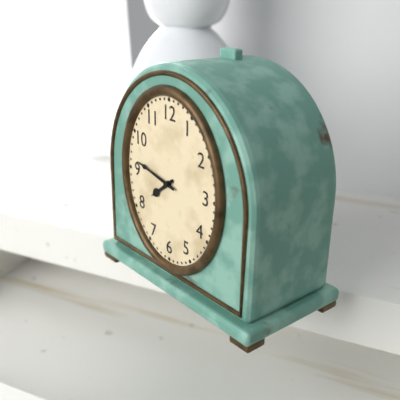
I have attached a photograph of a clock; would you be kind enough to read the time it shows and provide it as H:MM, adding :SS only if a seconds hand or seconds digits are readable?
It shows 7:47
